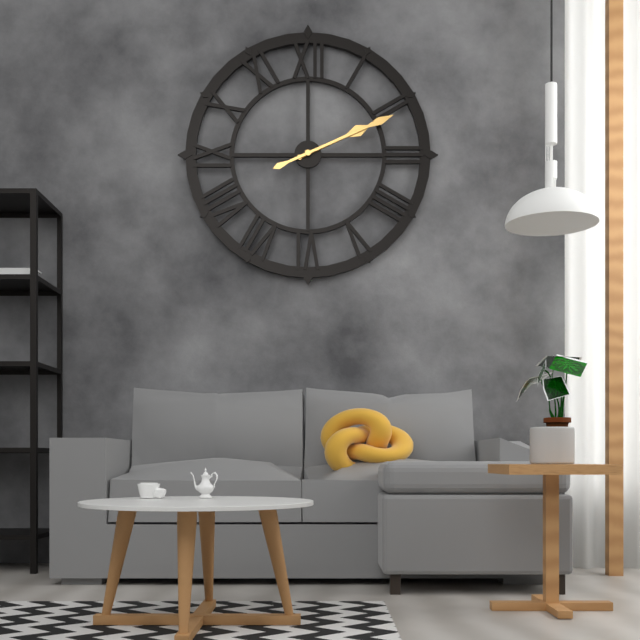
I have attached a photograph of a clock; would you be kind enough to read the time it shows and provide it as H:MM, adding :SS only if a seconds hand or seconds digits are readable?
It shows 2:11
